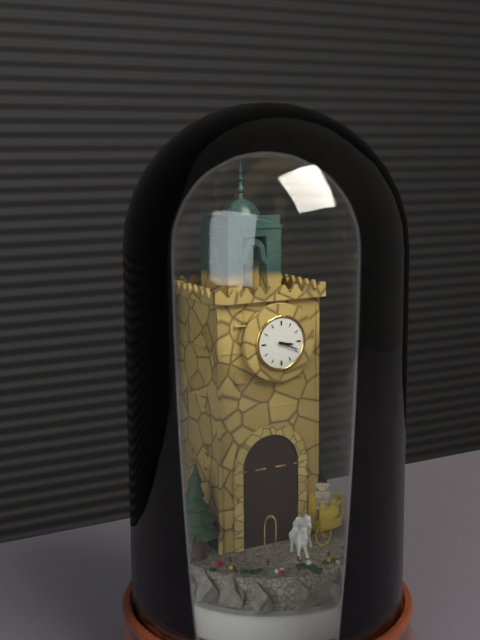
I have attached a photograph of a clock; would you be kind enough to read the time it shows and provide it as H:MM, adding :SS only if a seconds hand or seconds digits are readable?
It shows 3:19
